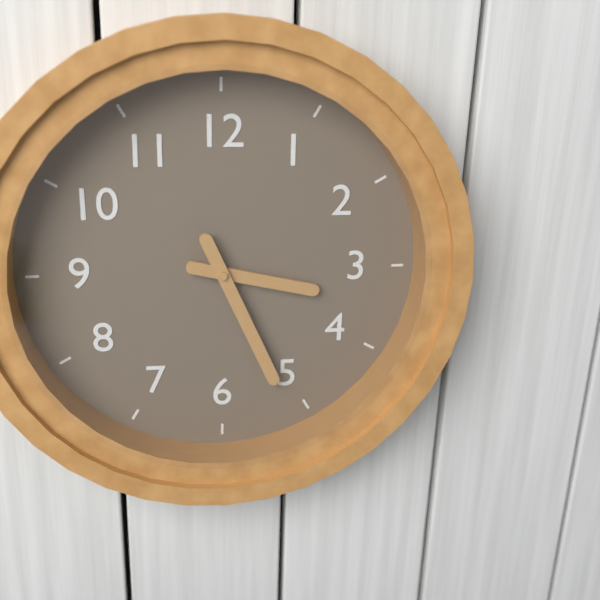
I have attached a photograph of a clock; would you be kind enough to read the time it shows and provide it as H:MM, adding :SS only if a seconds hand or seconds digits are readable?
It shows 3:26
